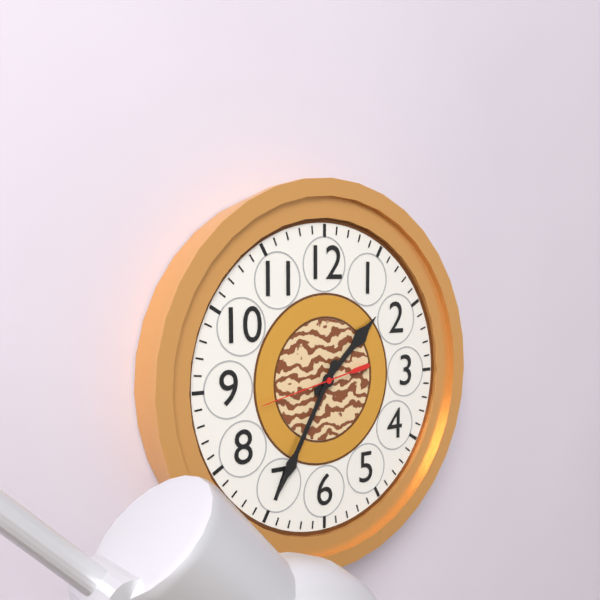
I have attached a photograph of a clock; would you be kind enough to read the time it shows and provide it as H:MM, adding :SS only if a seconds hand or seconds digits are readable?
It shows 1:35:43
